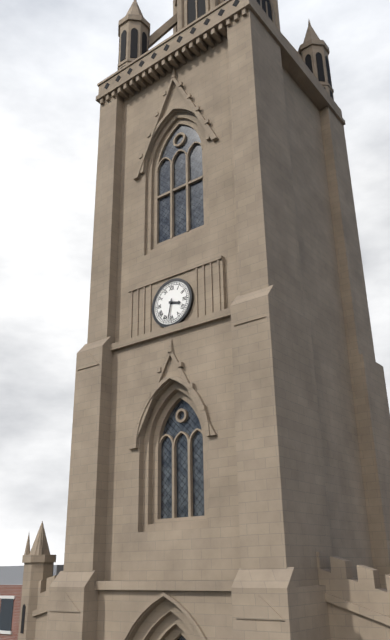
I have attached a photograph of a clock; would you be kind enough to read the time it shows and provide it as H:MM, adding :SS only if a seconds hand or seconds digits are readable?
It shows 3:32
